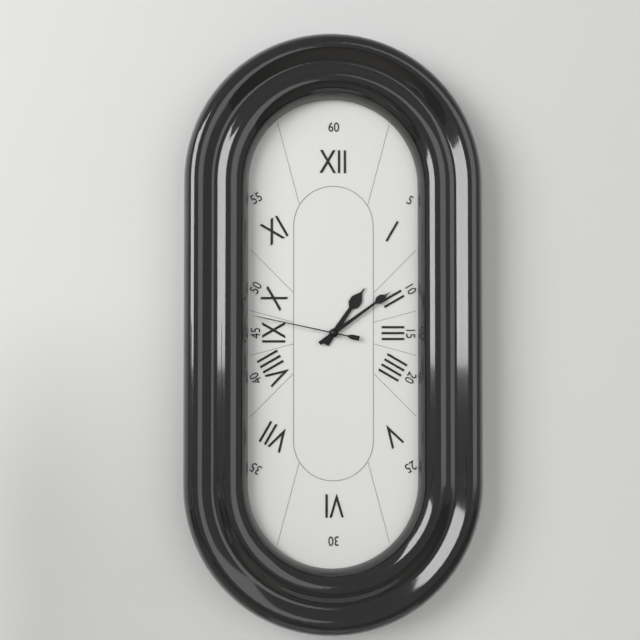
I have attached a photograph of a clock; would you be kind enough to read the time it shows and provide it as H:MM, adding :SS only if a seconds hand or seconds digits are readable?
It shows 1:09:47
